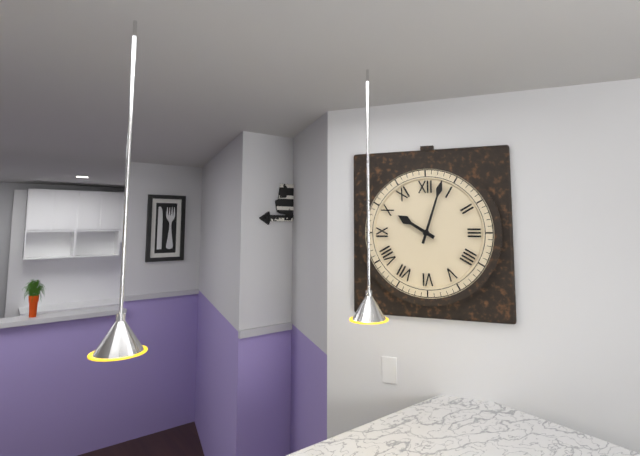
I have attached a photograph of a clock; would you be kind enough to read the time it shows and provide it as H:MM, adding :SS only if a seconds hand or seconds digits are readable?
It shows 10:03
